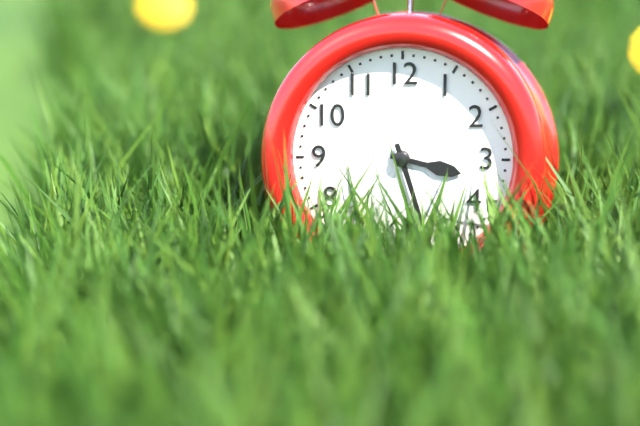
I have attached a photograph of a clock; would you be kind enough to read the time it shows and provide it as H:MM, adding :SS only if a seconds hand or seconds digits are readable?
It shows 3:27
